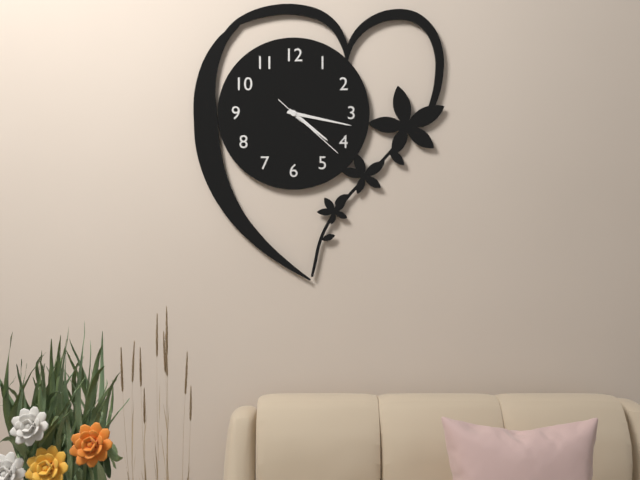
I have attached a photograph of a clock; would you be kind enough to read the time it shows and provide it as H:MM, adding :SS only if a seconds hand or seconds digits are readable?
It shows 4:17:22
